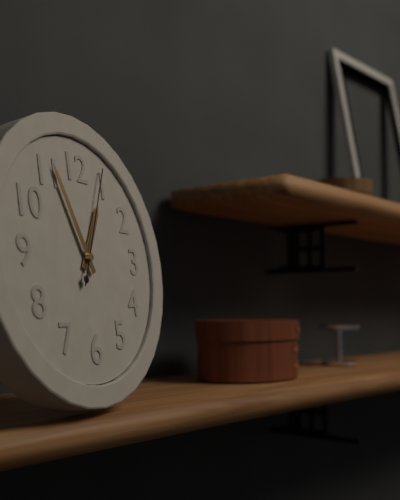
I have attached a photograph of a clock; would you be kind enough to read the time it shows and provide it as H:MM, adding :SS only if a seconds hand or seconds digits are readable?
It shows 12:56:04
